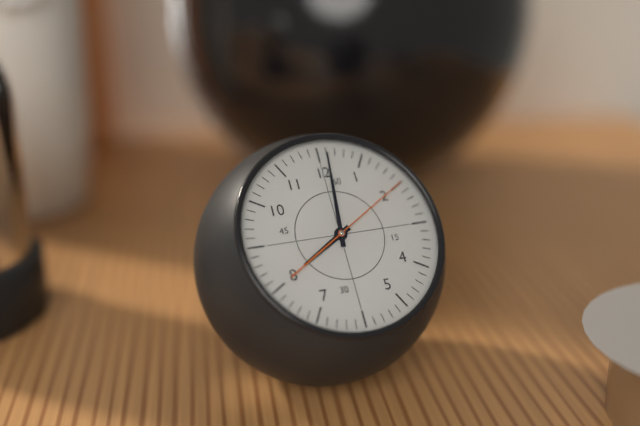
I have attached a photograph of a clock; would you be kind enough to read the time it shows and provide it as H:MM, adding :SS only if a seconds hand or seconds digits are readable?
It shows 8:01:10
